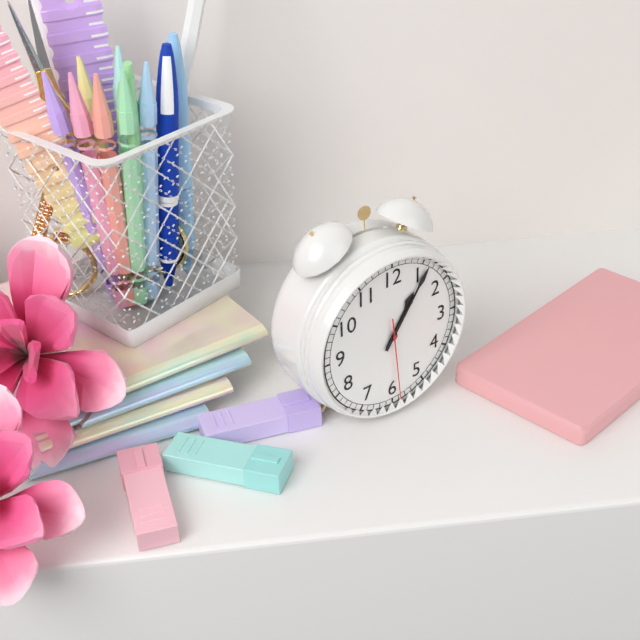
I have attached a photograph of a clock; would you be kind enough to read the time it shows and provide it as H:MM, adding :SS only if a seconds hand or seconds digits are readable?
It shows 1:06:29
